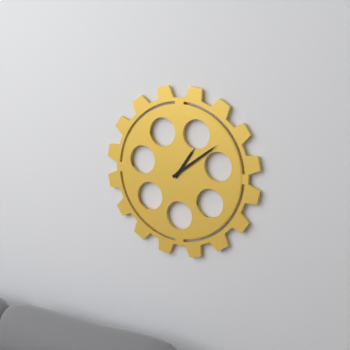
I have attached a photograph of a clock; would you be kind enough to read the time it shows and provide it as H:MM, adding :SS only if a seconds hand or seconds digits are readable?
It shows 1:09
